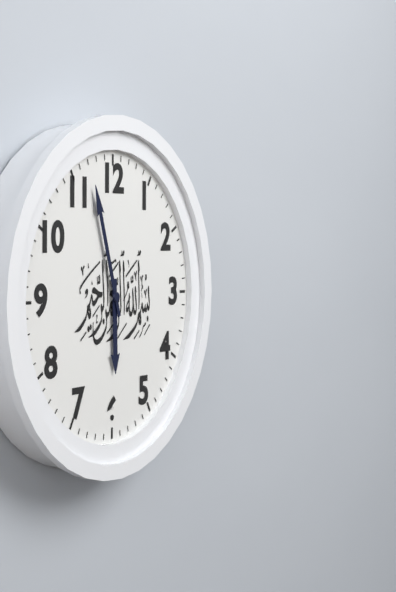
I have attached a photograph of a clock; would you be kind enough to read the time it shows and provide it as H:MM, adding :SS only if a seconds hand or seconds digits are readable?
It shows 5:57
